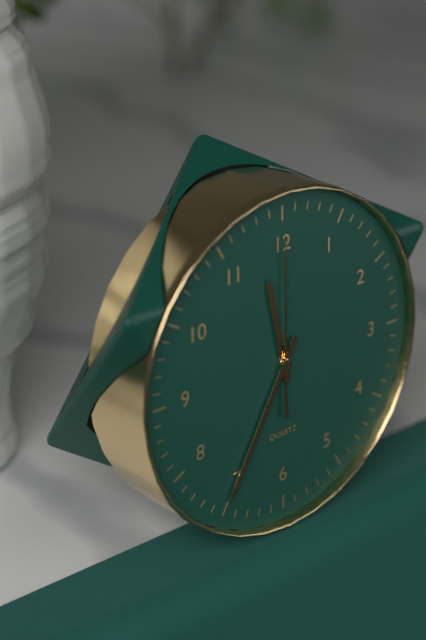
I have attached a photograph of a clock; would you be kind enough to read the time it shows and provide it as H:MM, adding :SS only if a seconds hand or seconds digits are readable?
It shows 11:35:00
